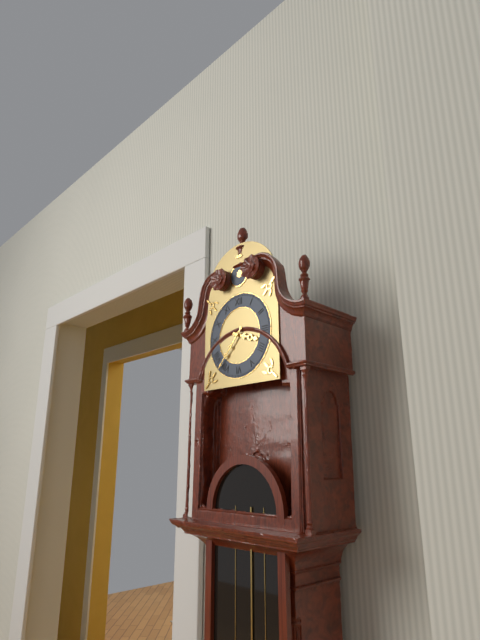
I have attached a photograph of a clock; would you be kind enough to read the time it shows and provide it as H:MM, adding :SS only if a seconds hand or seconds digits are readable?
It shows 3:37
